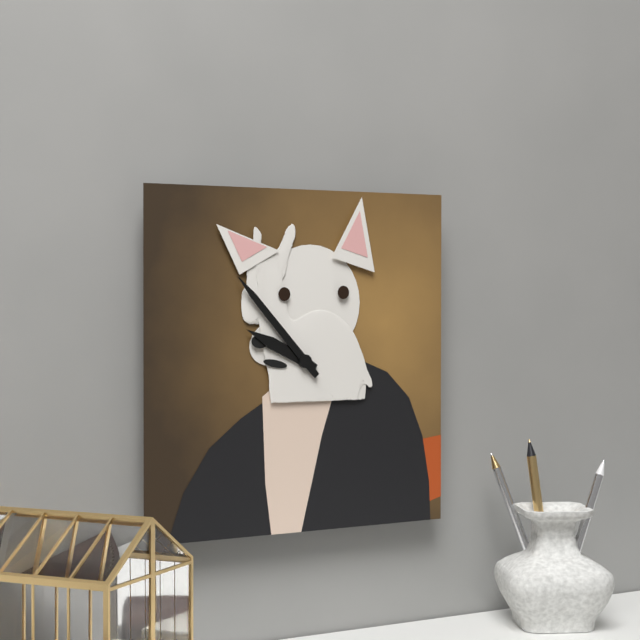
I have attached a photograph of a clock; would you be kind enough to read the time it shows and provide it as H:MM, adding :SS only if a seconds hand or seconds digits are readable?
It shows 9:53
